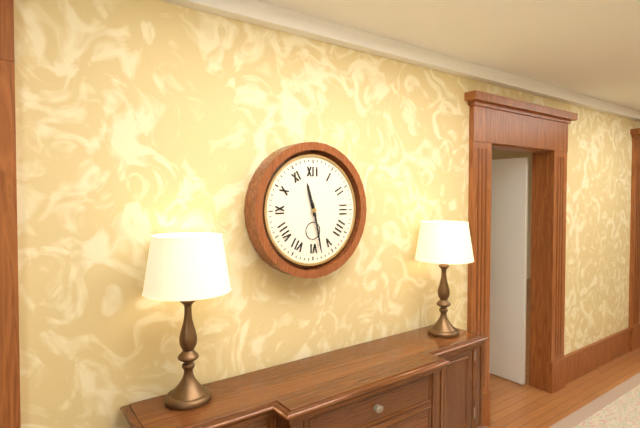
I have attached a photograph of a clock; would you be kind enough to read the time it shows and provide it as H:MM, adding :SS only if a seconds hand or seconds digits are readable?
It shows 11:28
